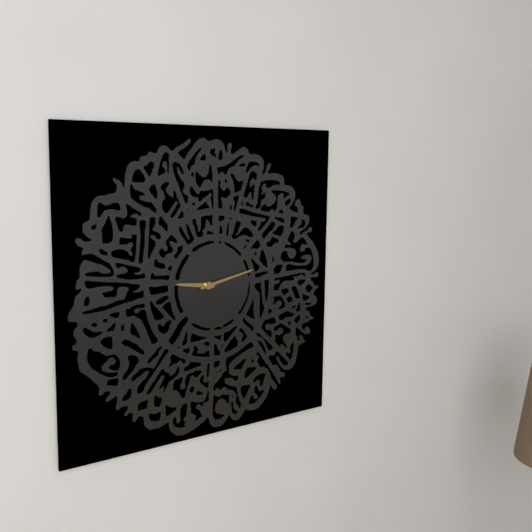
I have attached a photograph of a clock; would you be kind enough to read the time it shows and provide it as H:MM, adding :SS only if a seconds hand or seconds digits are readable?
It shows 9:13
